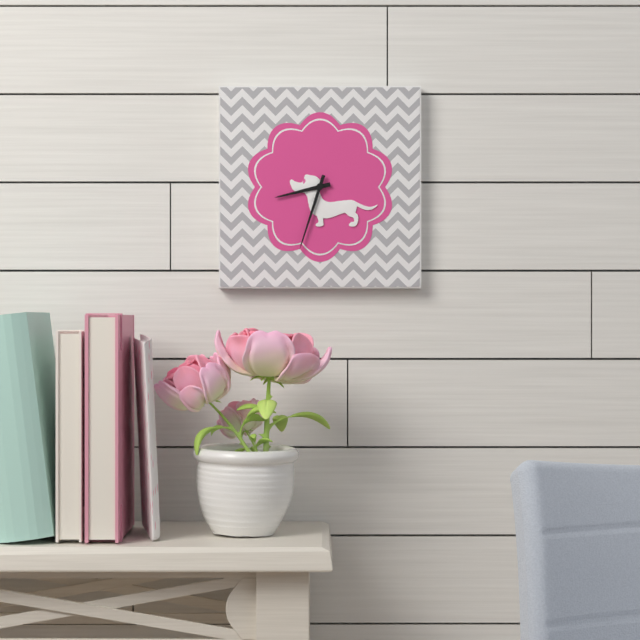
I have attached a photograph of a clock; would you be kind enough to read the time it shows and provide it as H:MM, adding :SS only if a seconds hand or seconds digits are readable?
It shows 8:33
